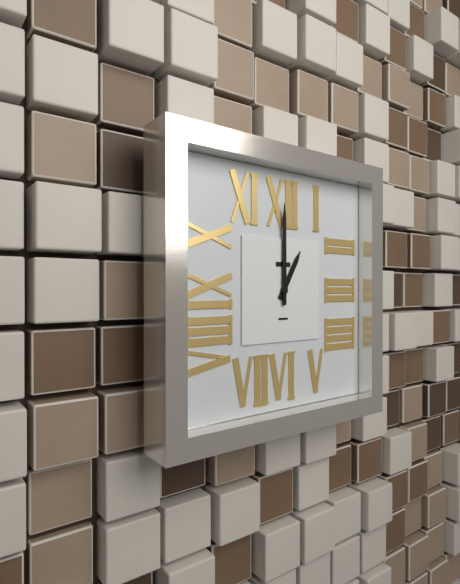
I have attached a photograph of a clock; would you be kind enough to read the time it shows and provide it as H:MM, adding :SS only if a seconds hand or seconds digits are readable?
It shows 1:00
